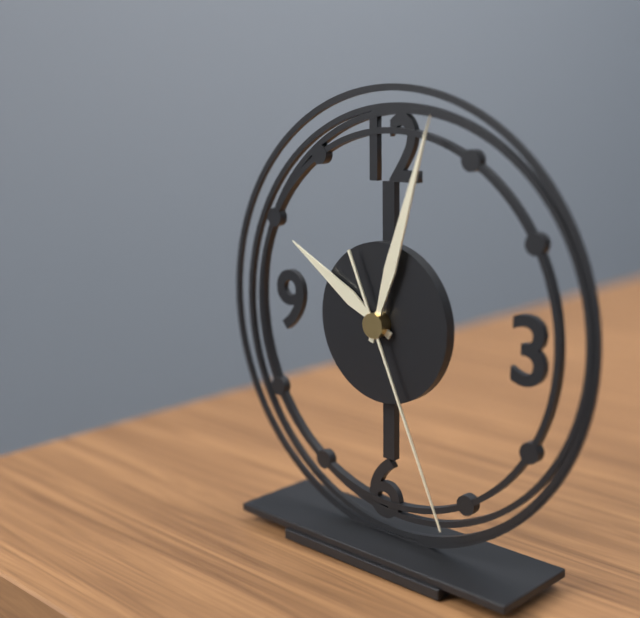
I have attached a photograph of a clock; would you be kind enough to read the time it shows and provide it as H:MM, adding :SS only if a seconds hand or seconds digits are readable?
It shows 10:03:26
